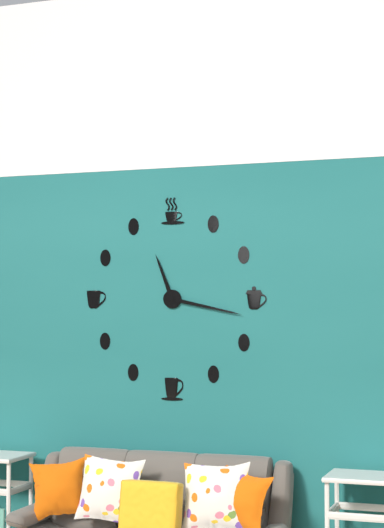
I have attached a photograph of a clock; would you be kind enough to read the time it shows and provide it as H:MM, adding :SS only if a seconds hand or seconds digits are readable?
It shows 11:17
